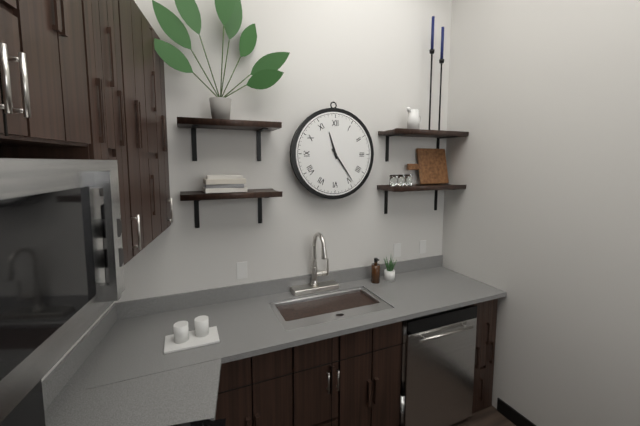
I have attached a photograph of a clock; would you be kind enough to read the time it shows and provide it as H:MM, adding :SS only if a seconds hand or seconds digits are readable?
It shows 11:24
